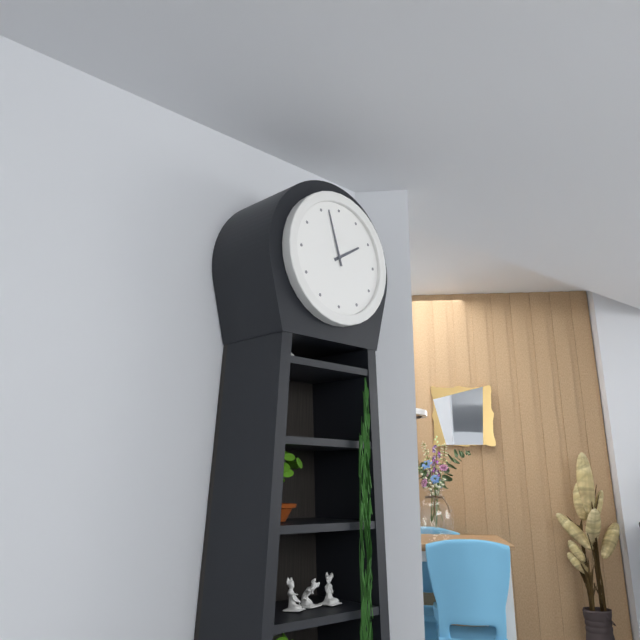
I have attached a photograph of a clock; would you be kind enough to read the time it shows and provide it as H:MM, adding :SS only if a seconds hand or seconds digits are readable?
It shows 1:57
